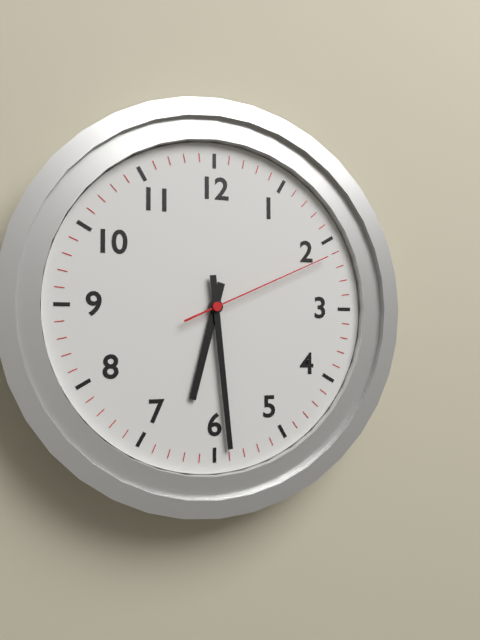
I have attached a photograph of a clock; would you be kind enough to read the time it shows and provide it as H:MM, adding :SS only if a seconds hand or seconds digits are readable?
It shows 6:29:11
